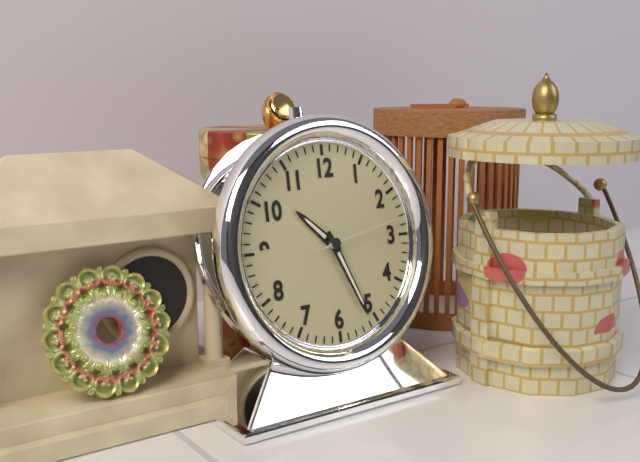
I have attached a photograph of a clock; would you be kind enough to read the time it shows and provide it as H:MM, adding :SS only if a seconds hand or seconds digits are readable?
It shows 10:26:13
